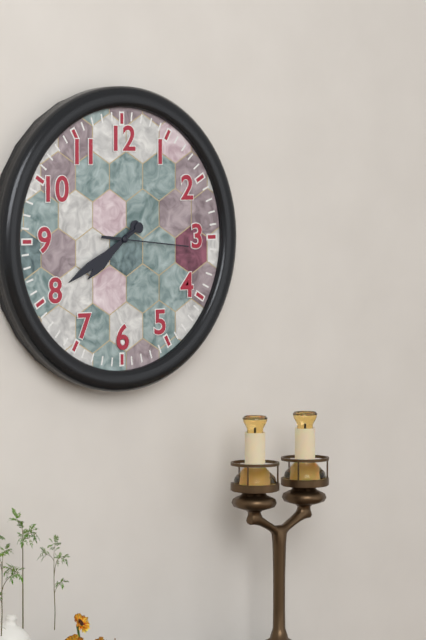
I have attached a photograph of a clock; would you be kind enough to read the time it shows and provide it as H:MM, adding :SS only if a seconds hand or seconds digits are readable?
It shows 7:40:16
